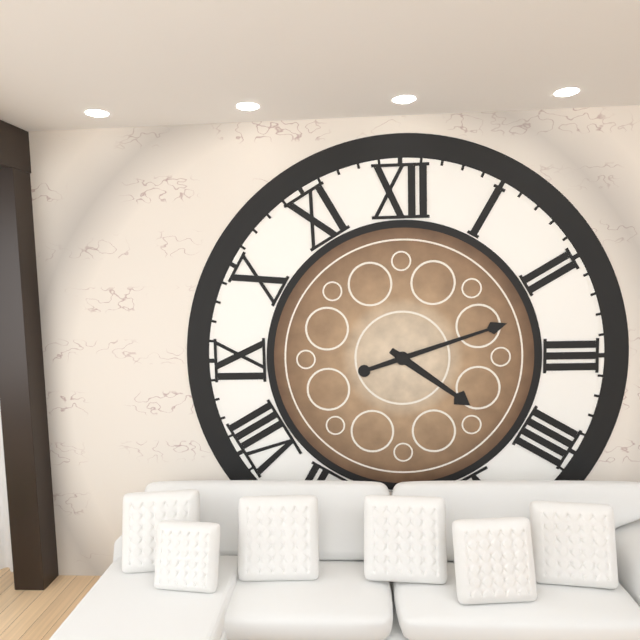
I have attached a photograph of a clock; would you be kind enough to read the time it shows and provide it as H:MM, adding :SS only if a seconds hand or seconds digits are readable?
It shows 4:12
